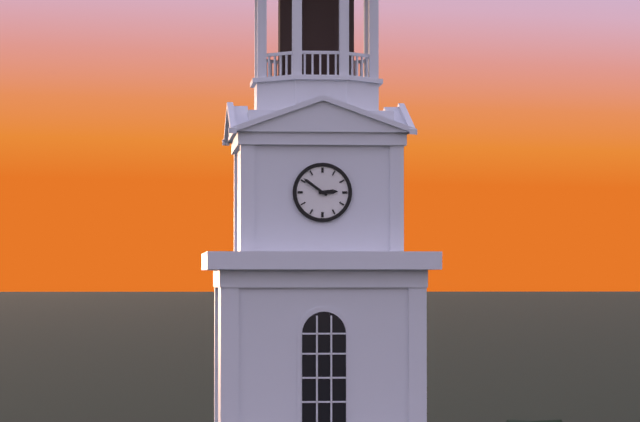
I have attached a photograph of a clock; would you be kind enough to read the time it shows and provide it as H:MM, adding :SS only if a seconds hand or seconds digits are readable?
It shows 2:51
